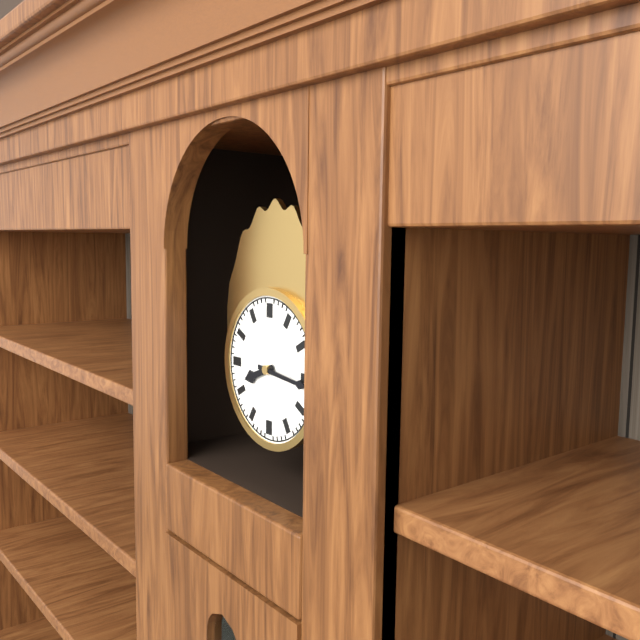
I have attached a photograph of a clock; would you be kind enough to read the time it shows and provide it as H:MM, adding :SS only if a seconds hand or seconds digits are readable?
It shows 8:16
